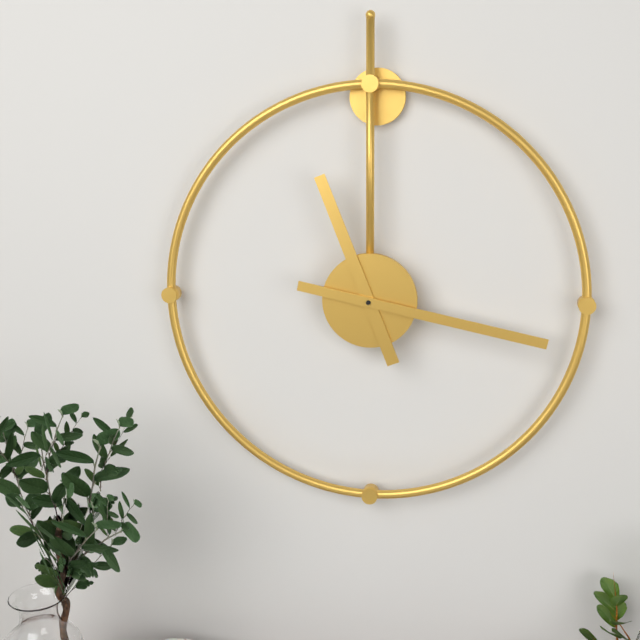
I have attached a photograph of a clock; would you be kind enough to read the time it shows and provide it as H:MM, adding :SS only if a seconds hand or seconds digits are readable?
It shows 11:17
